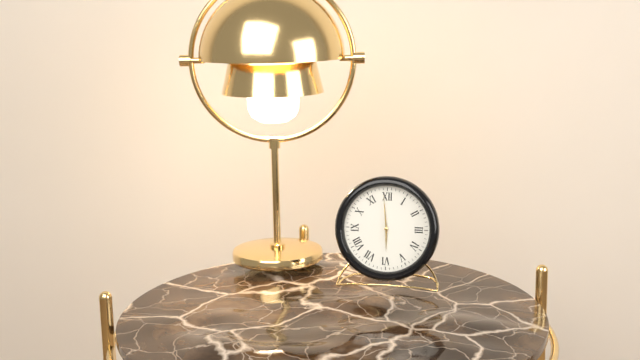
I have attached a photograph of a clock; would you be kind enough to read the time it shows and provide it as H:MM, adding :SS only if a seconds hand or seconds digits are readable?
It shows 5:59
